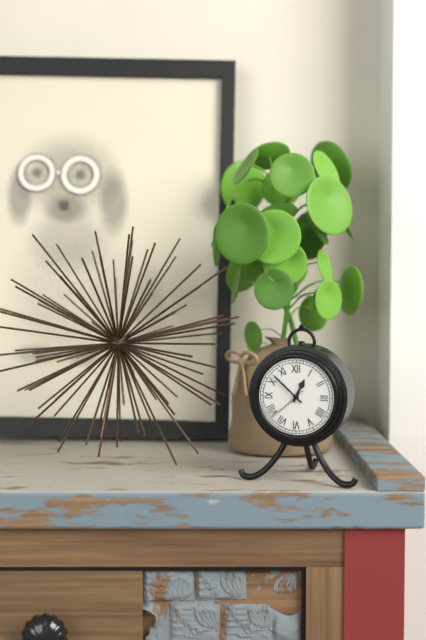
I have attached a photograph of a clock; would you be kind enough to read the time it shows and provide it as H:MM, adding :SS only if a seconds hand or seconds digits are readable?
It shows 12:52
